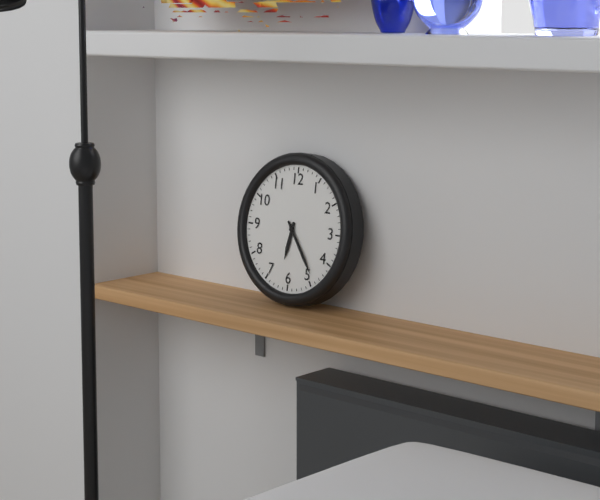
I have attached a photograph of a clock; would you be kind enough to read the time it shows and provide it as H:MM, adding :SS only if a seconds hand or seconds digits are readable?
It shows 6:24
